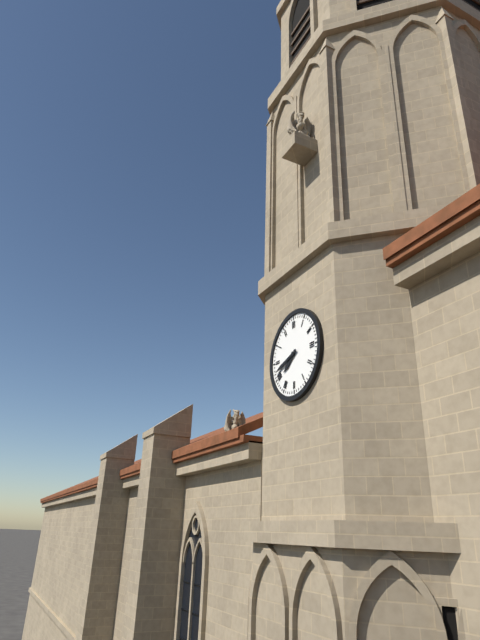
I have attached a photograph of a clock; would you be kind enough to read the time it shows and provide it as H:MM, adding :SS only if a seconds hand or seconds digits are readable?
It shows 7:42
